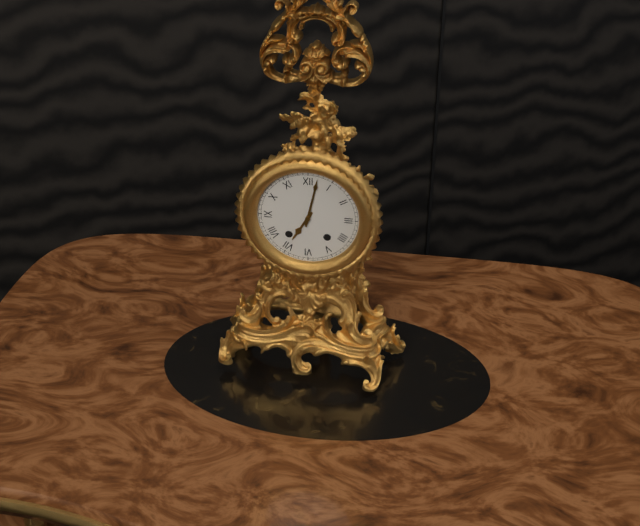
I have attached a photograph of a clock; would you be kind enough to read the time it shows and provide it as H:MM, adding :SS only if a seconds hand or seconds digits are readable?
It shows 7:02
